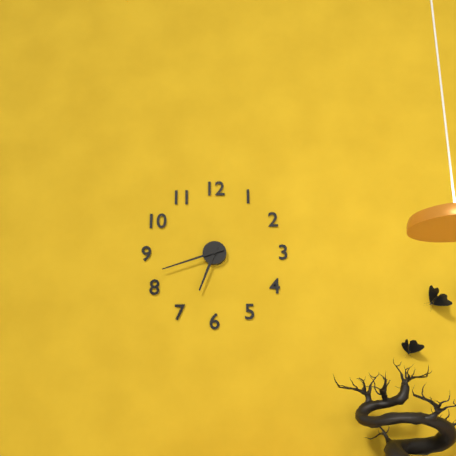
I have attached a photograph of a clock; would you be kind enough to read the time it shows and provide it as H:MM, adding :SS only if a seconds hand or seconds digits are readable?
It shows 6:42
